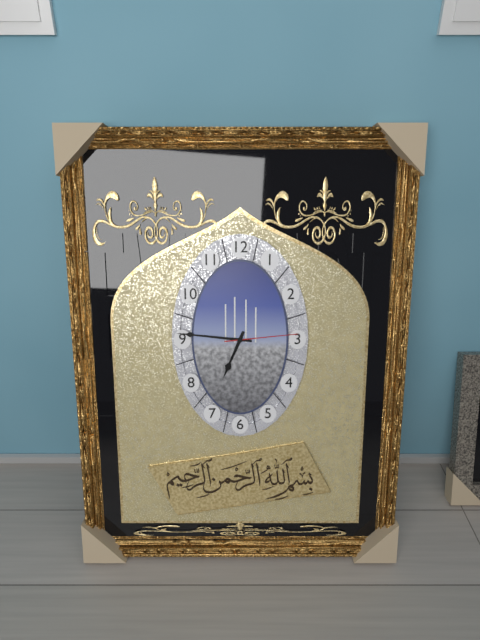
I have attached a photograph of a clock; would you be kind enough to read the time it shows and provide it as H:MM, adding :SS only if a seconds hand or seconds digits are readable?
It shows 6:46:14
